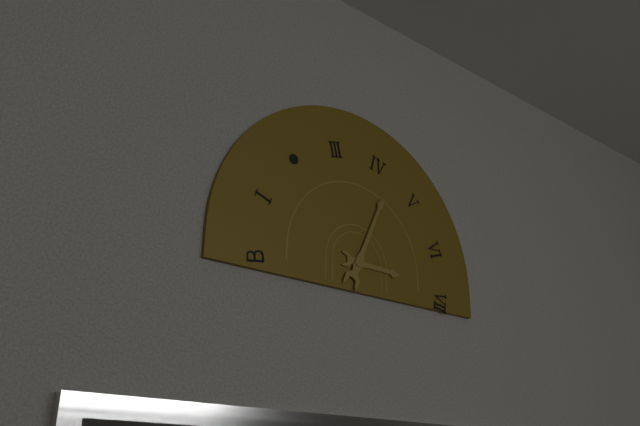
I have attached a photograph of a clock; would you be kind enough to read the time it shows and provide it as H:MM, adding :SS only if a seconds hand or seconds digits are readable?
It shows 3:04
